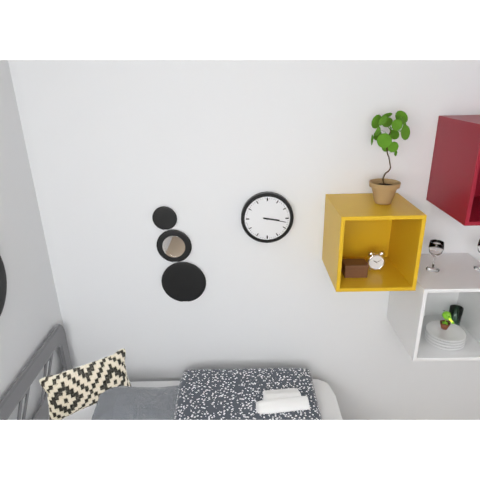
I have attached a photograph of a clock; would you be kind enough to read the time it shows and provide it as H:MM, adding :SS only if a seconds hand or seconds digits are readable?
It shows 3:17
